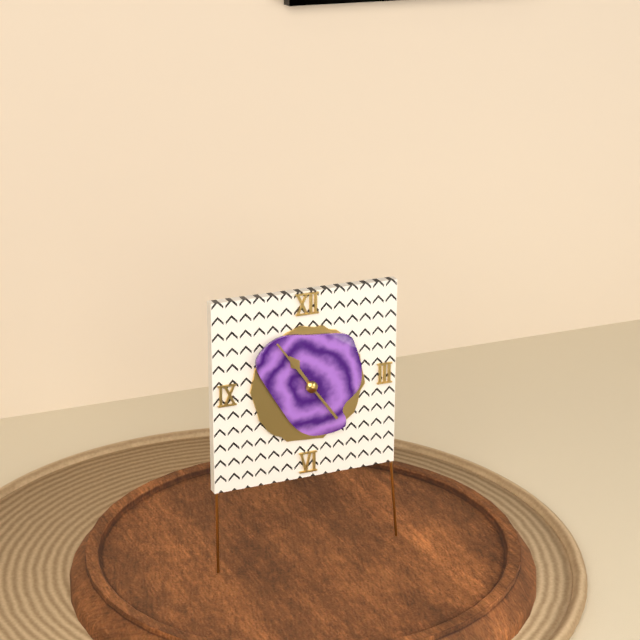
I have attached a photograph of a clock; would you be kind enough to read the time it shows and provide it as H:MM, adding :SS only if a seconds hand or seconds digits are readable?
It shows 10:54
